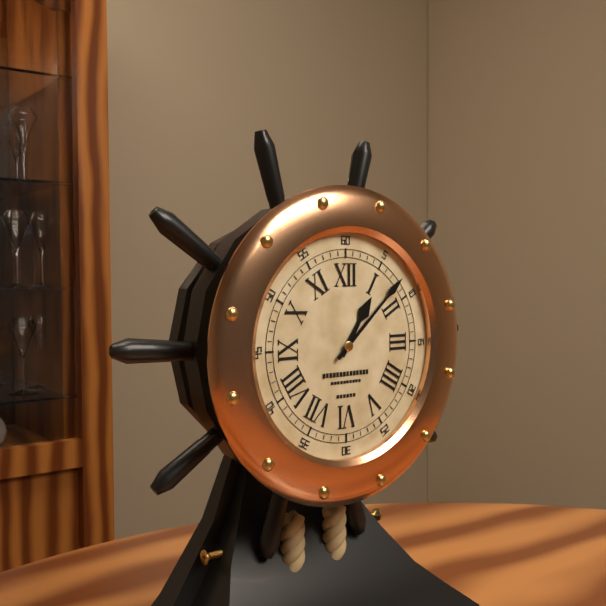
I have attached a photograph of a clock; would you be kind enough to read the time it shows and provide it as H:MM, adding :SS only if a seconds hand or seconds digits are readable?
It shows 1:08
